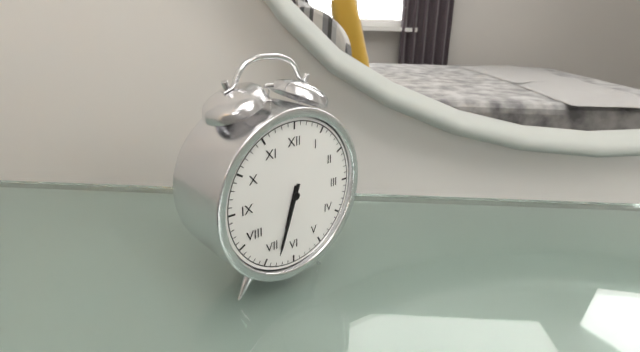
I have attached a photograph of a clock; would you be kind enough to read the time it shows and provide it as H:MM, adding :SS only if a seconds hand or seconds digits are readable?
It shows 6:33
